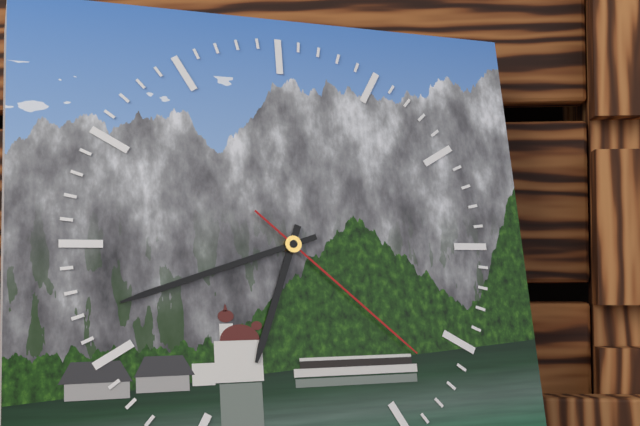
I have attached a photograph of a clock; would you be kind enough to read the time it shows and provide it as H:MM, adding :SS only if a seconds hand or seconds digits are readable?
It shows 6:42:22
